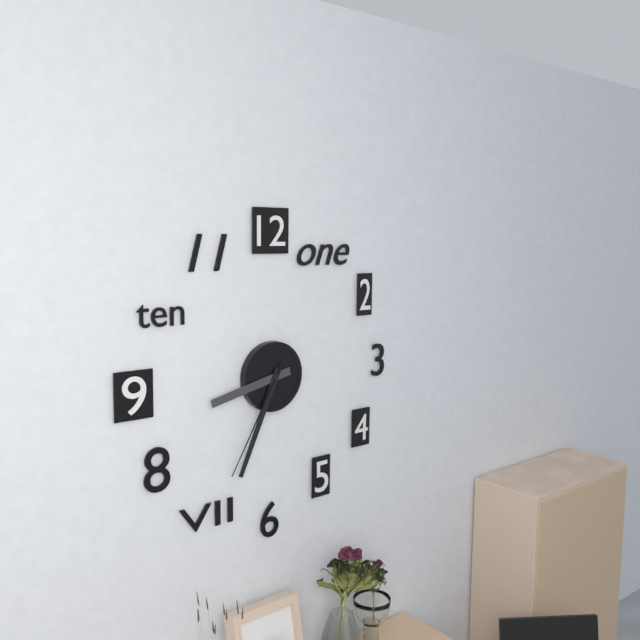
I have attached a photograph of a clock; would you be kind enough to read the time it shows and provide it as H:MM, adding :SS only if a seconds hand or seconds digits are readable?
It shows 8:34:35
